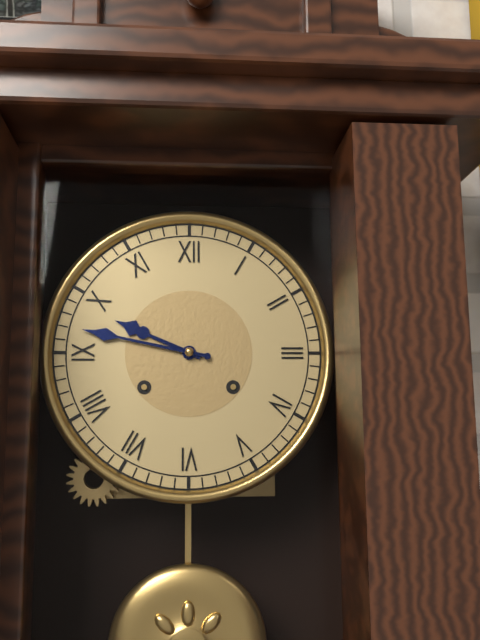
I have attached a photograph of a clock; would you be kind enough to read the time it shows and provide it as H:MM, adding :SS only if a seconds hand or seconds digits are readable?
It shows 9:47
